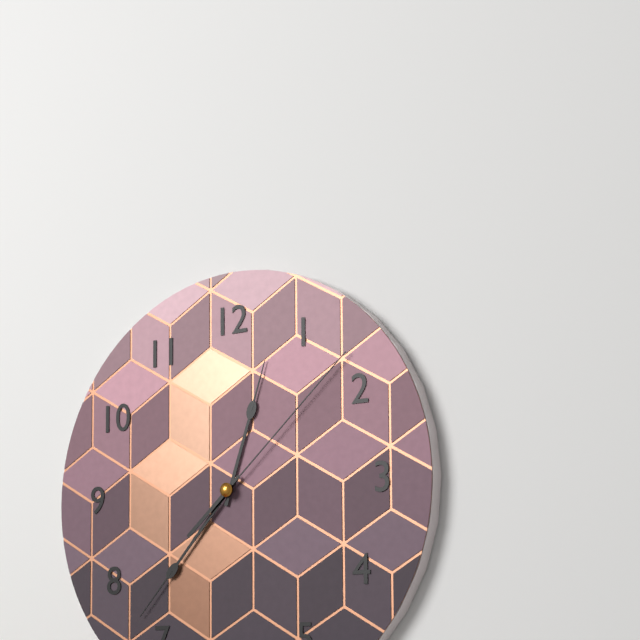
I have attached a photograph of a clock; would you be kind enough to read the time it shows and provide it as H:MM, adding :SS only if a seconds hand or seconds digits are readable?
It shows 12:37:08
